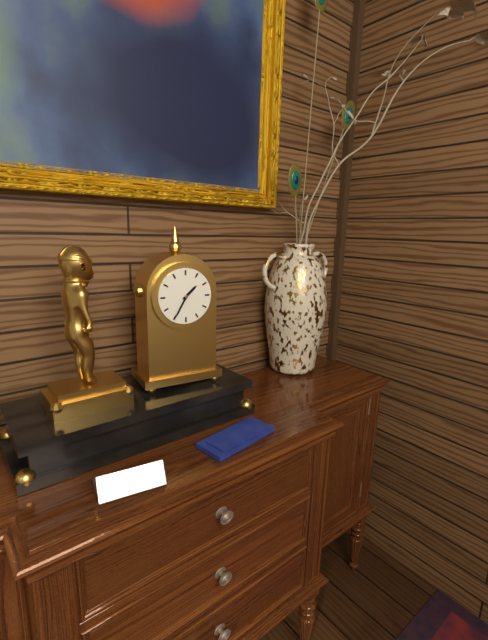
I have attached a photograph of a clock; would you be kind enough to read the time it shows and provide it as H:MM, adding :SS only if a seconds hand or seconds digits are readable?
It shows 1:35
